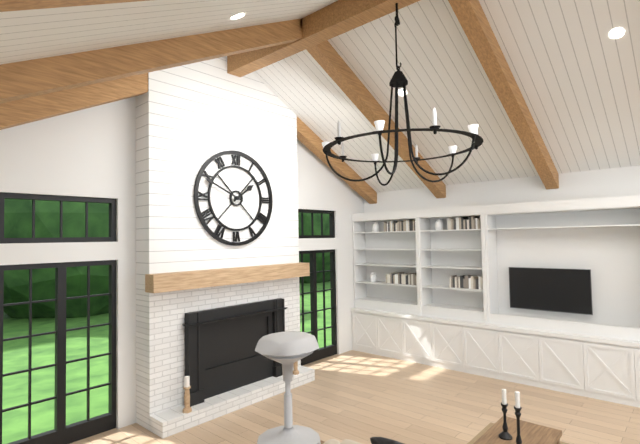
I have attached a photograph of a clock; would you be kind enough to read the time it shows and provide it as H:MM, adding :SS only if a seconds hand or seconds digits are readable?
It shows 1:49
